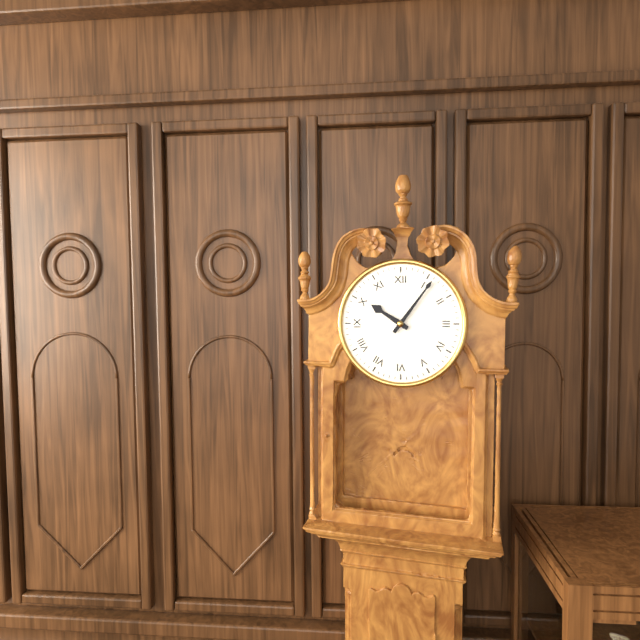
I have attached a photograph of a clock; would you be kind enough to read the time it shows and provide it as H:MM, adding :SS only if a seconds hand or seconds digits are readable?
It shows 10:06
